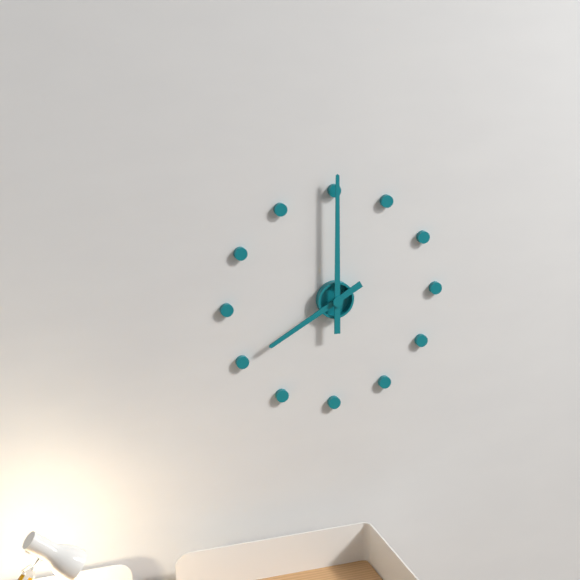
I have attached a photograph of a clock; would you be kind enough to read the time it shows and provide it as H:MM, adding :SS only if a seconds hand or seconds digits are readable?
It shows 8:00
